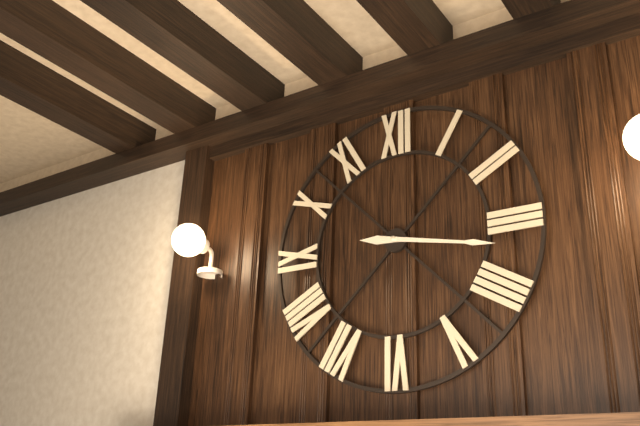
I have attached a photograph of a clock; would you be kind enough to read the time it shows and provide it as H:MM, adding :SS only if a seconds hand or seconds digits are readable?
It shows 9:17
